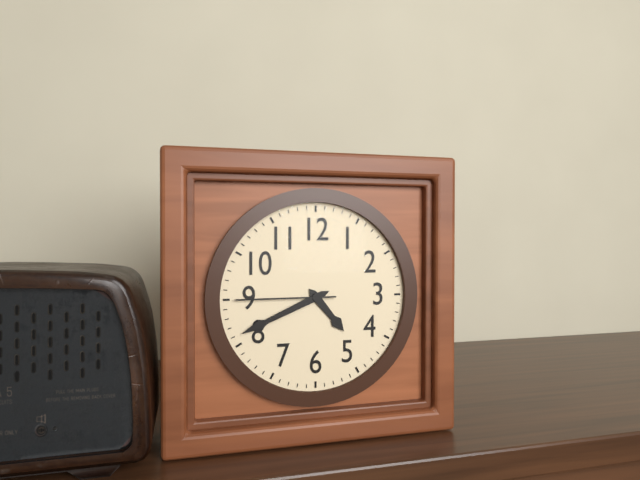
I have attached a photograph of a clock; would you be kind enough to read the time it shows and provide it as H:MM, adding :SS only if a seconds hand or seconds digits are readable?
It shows 4:41:45
